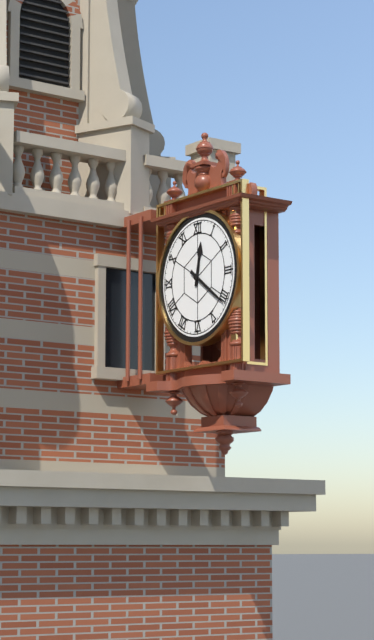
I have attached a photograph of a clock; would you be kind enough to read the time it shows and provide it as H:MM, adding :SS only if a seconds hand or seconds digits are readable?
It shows 12:21
